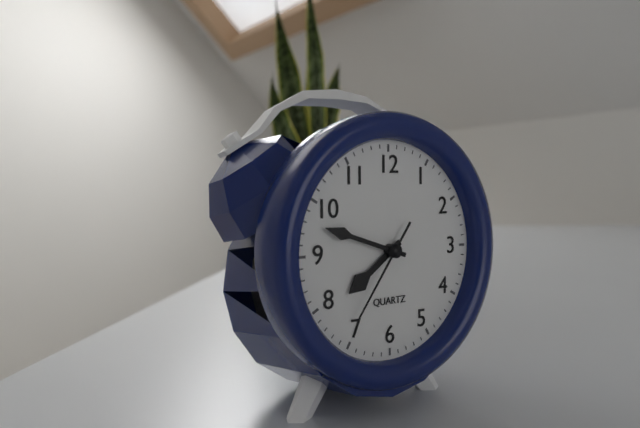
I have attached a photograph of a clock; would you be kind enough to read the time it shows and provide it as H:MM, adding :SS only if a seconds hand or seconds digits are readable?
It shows 7:48:36
